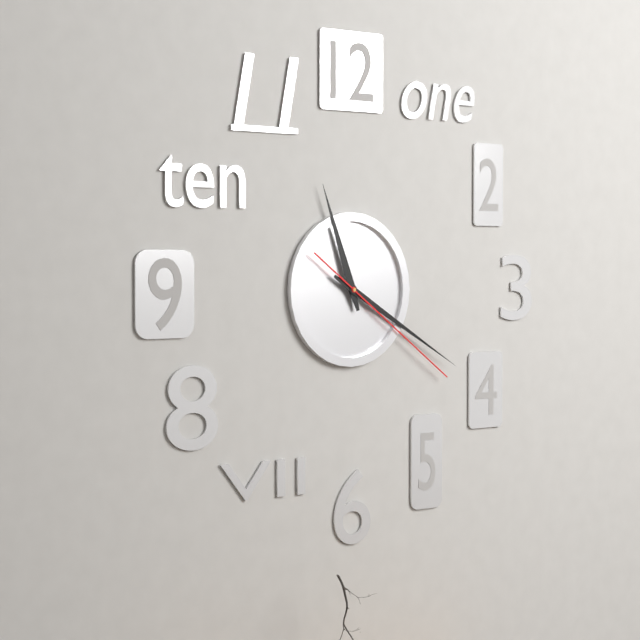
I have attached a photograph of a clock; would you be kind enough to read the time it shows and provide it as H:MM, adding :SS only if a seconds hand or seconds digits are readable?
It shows 11:20:21
